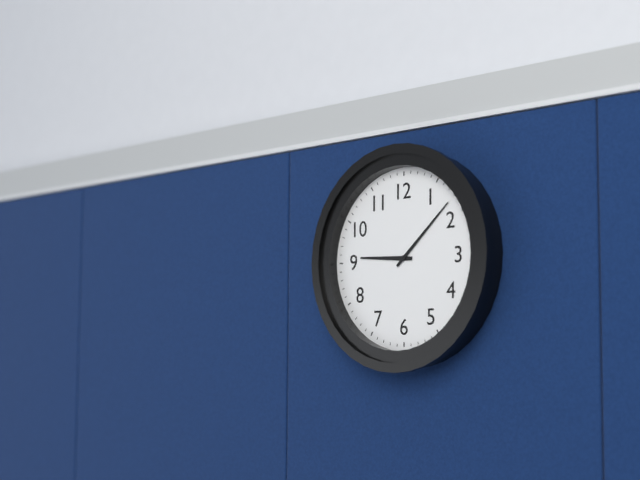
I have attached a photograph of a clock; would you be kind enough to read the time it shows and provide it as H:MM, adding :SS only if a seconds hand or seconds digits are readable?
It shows 9:08
